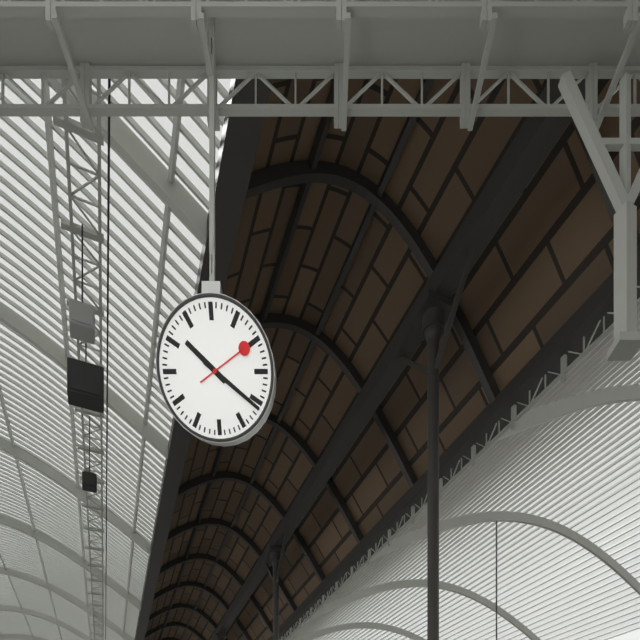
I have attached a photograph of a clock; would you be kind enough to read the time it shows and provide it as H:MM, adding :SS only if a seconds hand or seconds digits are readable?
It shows 10:21:10
